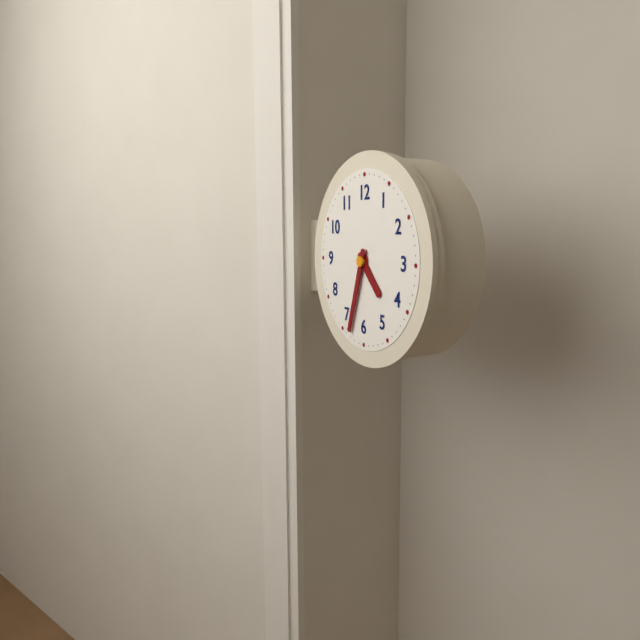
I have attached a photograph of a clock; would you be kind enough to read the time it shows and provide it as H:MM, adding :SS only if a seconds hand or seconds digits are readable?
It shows 4:33
